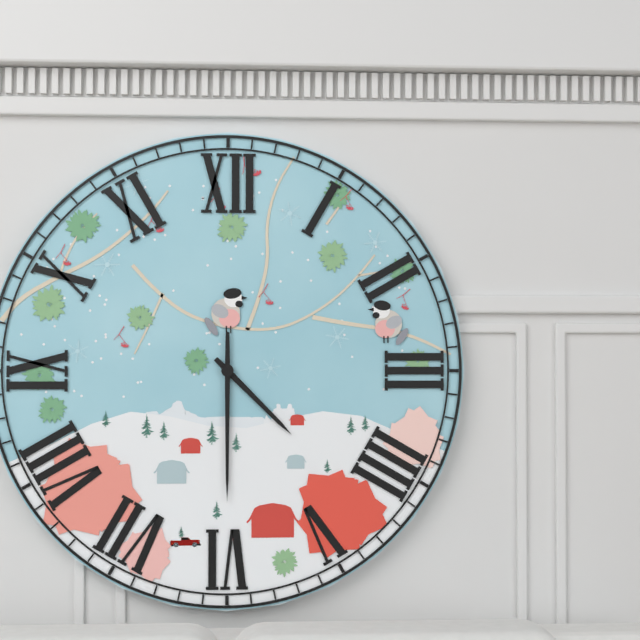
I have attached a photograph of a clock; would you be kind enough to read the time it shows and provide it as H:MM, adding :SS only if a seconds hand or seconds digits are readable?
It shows 4:30
